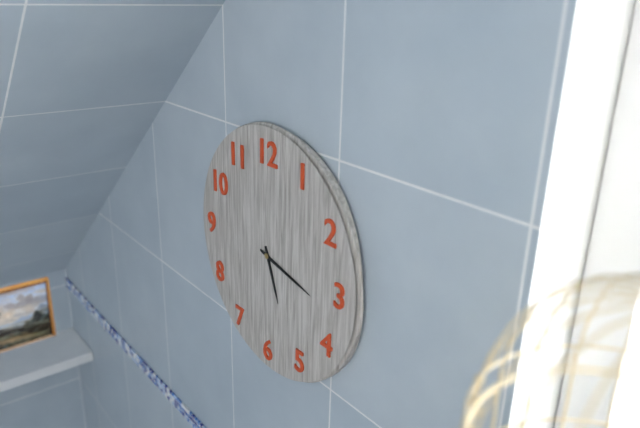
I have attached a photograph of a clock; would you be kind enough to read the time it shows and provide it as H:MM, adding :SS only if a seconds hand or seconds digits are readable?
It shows 5:17
